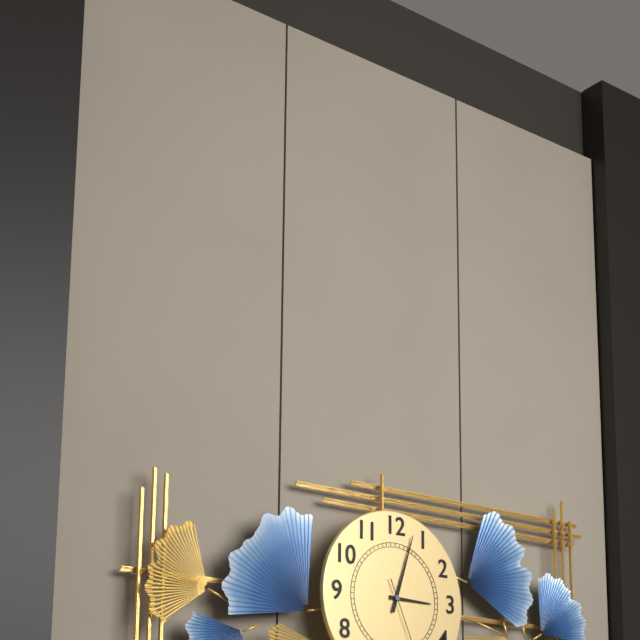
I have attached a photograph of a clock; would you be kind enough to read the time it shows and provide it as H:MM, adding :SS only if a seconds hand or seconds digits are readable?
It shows 3:03
